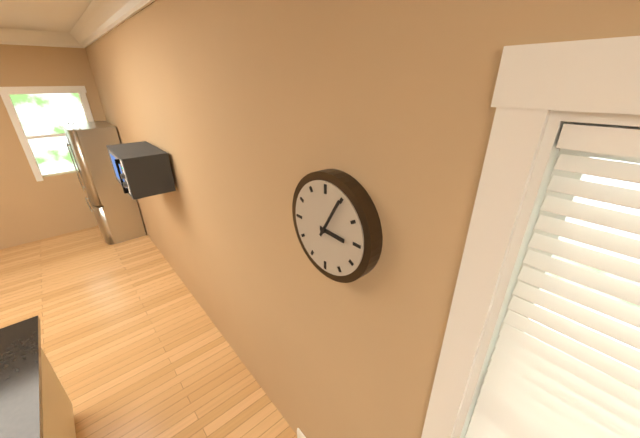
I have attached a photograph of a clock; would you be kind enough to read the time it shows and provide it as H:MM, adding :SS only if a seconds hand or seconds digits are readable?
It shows 3:05
